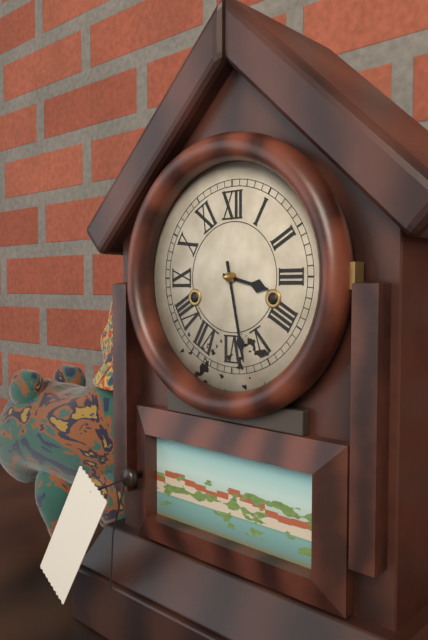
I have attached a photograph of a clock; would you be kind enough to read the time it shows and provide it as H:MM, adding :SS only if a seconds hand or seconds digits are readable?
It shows 3:28
